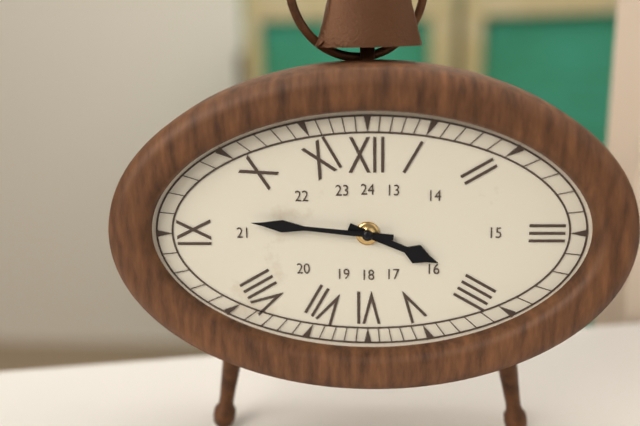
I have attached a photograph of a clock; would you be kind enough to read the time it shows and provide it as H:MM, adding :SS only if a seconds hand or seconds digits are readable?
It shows 3:46
